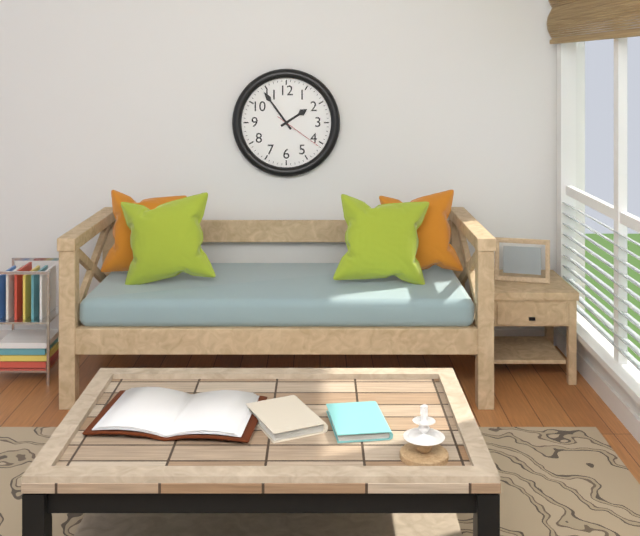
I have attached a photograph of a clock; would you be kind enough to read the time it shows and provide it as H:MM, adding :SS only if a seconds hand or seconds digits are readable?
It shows 1:54:21
